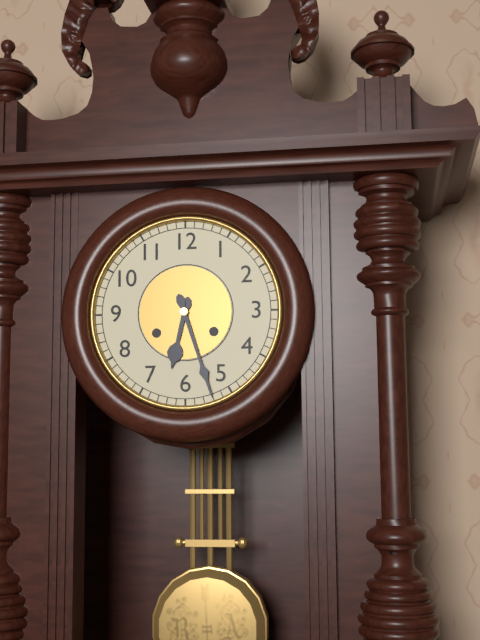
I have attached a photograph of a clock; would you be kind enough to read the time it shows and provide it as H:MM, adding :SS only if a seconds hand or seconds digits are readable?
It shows 6:27
